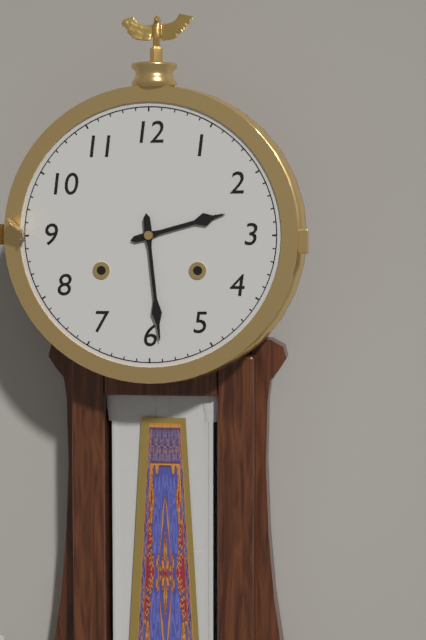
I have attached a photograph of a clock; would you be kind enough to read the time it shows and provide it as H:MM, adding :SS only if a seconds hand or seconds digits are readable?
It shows 2:29
